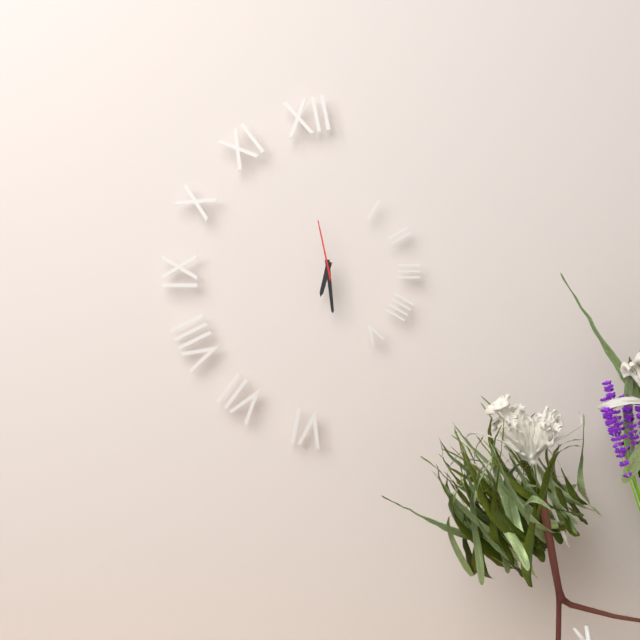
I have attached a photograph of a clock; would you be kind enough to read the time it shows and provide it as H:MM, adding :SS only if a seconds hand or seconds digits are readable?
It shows 6:29:58
